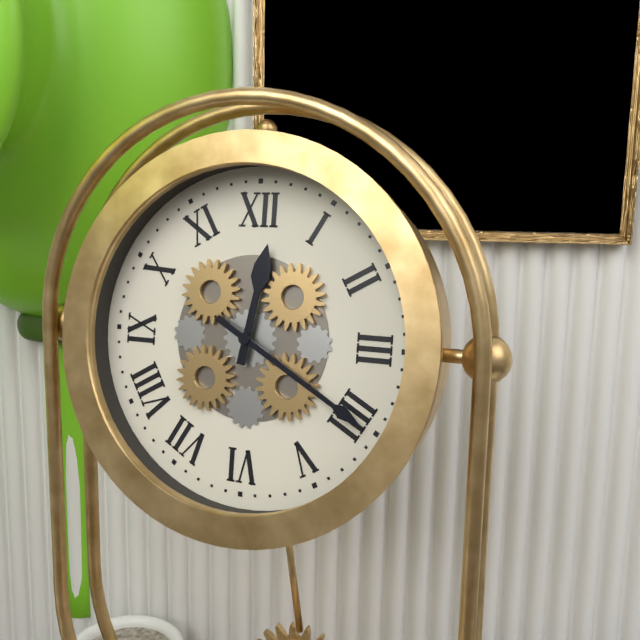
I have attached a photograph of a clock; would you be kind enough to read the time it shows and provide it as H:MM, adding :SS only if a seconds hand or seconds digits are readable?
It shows 12:20
